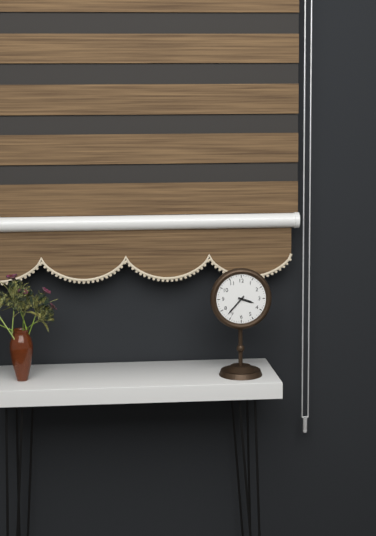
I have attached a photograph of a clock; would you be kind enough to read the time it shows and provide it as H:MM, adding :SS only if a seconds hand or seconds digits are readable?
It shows 3:37
